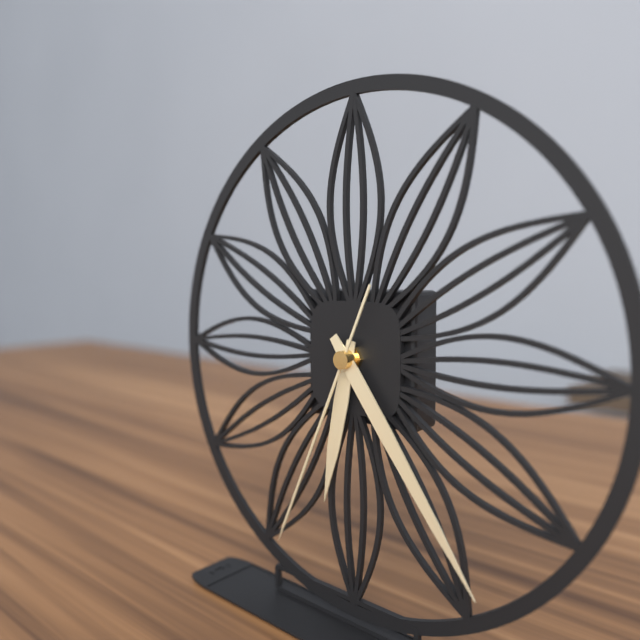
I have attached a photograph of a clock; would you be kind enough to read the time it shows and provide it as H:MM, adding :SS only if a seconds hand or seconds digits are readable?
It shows 6:24:34
